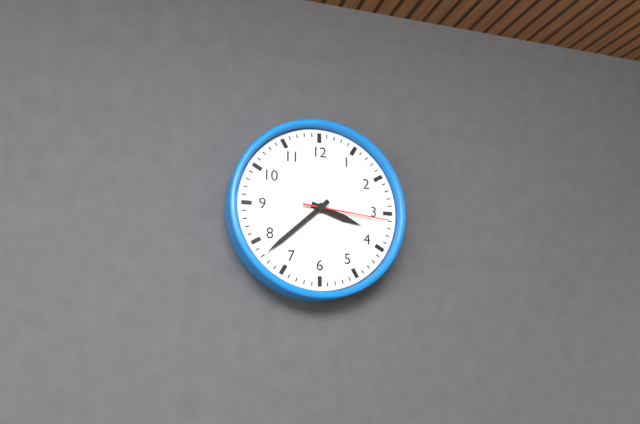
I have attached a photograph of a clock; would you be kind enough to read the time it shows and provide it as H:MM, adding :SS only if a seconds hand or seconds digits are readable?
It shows 3:38:16
